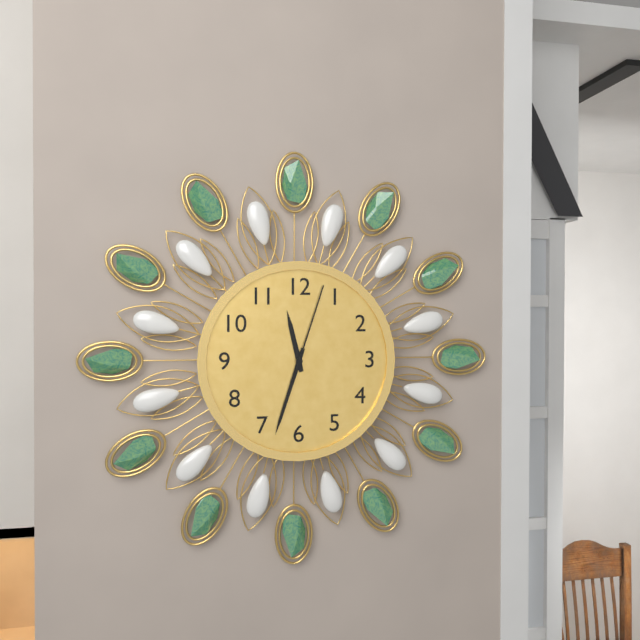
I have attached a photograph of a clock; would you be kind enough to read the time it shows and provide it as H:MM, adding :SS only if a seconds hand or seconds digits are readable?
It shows 11:33:03
